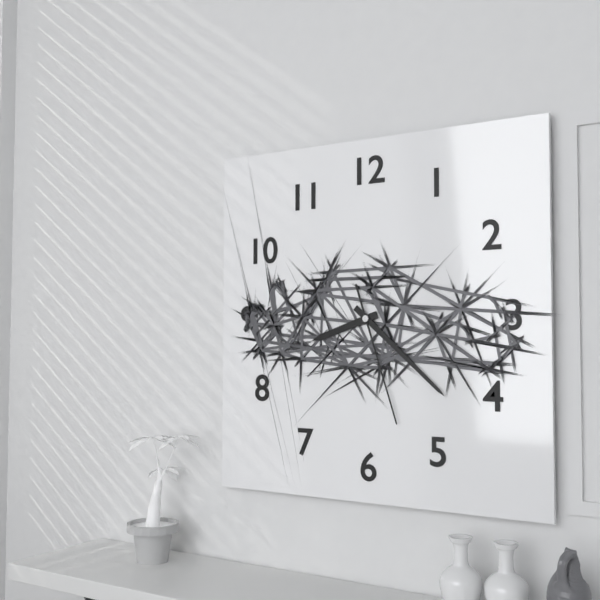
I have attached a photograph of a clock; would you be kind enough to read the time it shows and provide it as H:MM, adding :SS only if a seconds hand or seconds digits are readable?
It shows 8:22:27
